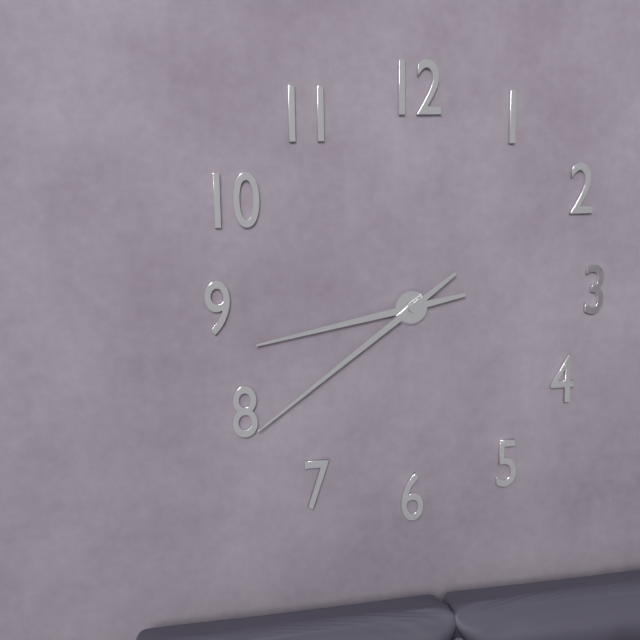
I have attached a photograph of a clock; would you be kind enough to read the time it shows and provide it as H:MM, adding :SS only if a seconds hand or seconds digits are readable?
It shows 8:39
